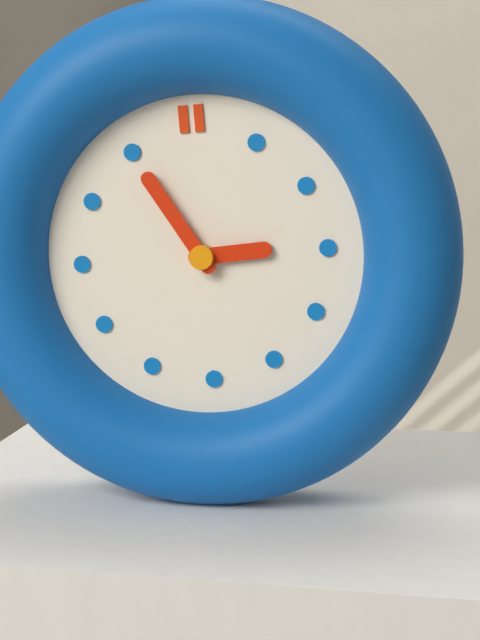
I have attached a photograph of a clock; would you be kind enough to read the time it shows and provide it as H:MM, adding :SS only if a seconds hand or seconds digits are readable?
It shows 2:55
